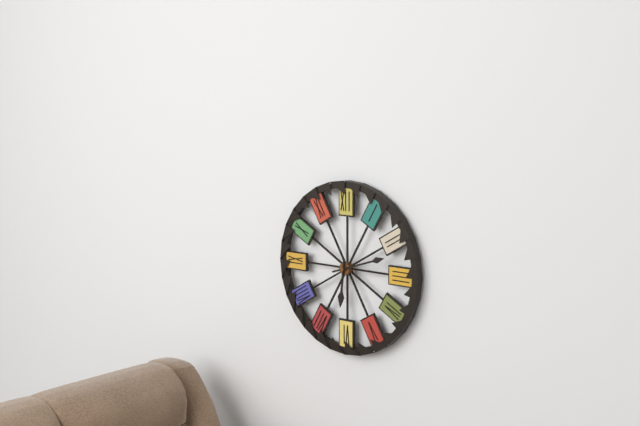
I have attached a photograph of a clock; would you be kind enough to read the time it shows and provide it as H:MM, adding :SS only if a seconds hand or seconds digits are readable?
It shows 6:12
